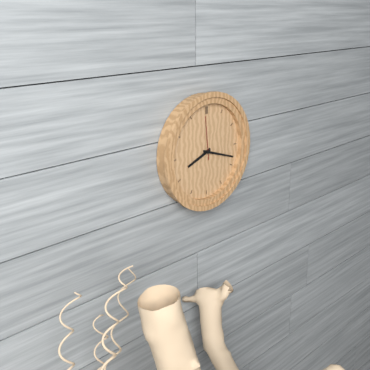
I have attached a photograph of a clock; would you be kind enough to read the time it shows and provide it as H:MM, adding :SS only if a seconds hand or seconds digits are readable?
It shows 8:18
